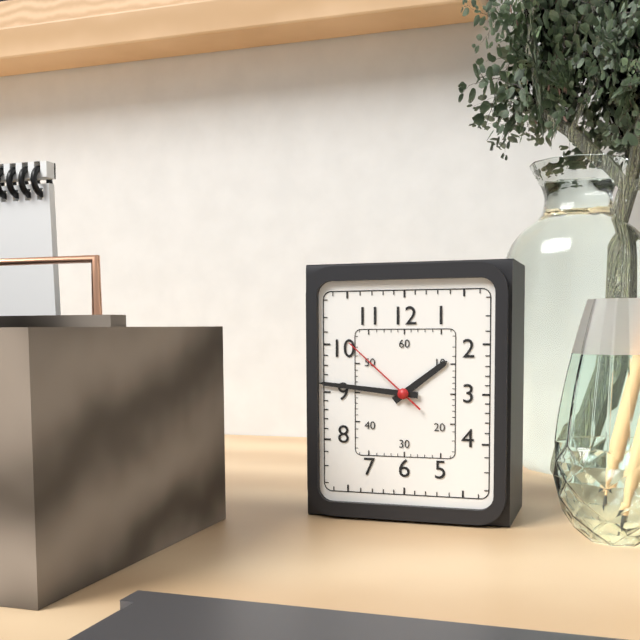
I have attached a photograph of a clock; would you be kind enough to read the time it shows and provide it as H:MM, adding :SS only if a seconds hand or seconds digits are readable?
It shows 1:46:52
